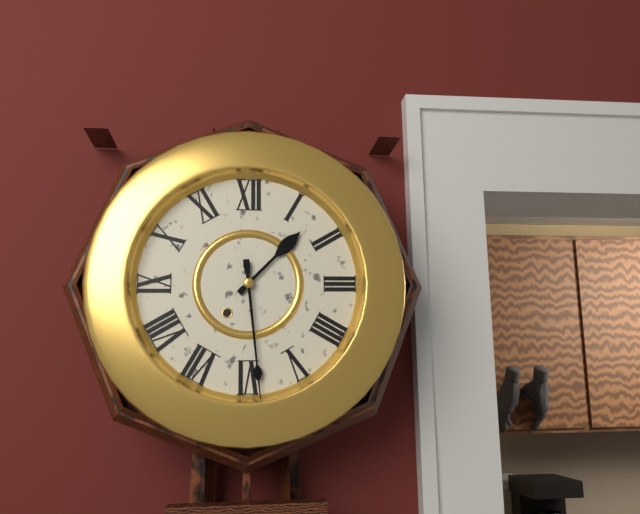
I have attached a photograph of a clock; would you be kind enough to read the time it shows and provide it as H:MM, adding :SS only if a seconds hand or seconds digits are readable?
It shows 1:29
